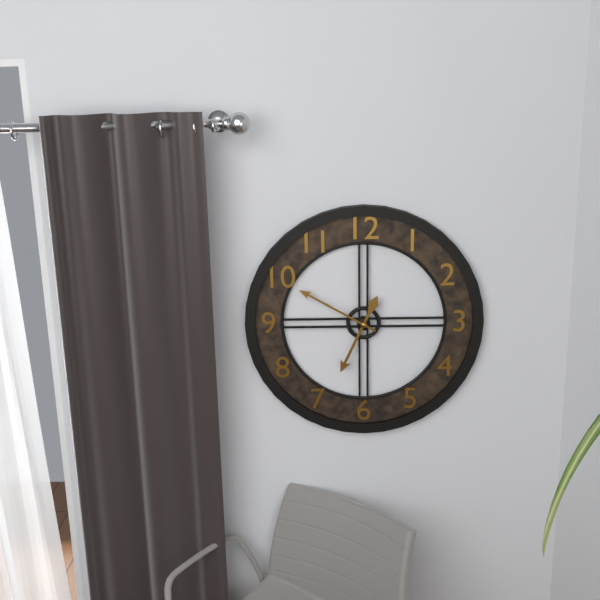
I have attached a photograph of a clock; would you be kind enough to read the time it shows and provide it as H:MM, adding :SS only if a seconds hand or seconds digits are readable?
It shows 6:50
